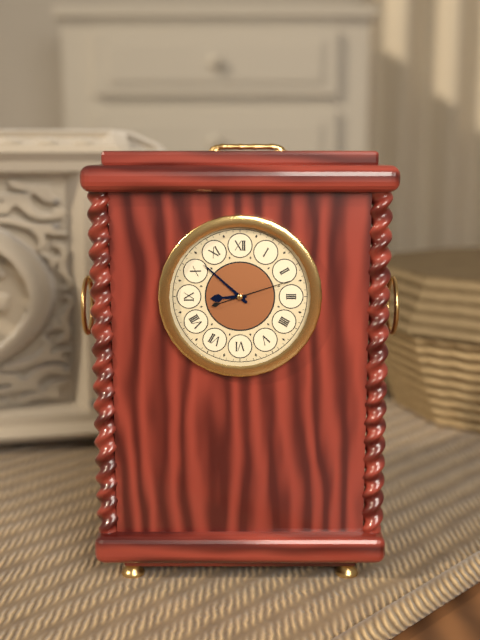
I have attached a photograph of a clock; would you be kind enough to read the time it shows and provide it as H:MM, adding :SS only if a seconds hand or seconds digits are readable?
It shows 8:52:12
